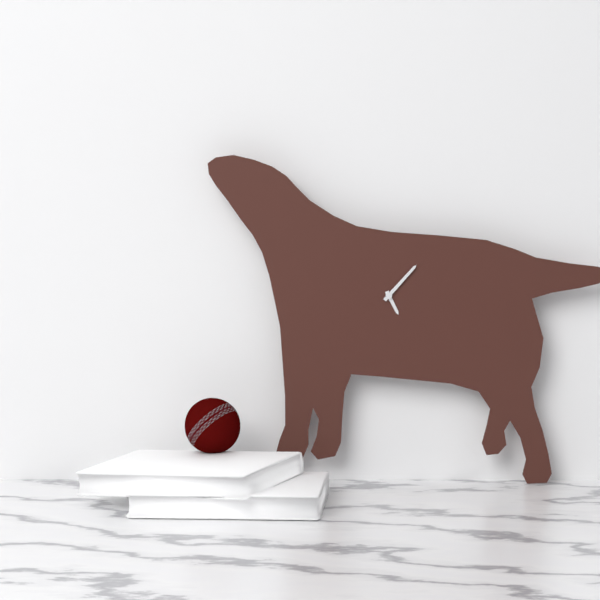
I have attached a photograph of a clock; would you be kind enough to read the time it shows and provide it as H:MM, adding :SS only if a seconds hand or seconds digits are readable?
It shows 5:07
